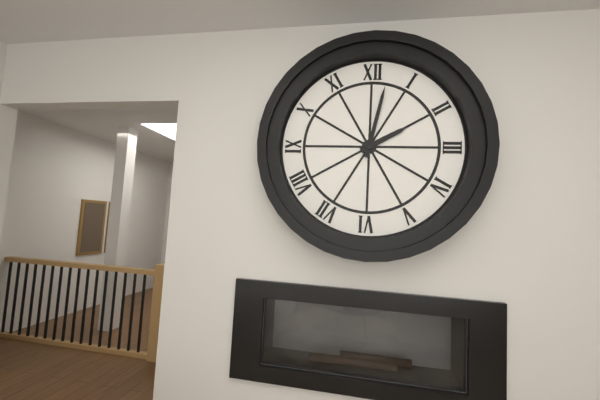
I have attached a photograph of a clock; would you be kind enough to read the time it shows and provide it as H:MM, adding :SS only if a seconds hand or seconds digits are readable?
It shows 2:02
